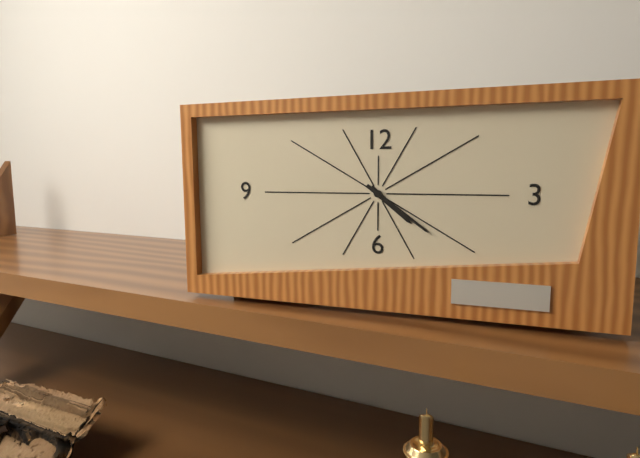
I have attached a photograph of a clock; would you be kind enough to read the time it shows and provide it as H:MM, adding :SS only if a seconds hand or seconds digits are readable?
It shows 4:21
